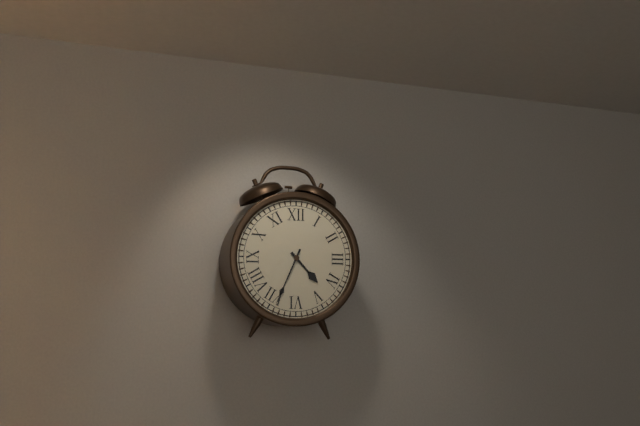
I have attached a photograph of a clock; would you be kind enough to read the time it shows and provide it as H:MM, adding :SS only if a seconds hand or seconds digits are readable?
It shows 4:34
